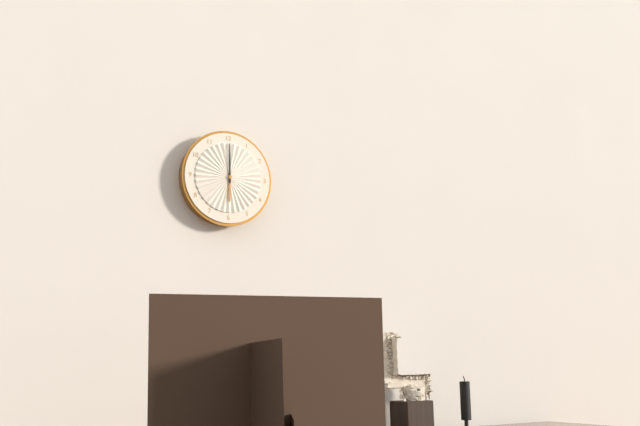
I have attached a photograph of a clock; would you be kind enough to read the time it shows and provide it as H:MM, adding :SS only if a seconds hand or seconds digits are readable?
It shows 6:00
